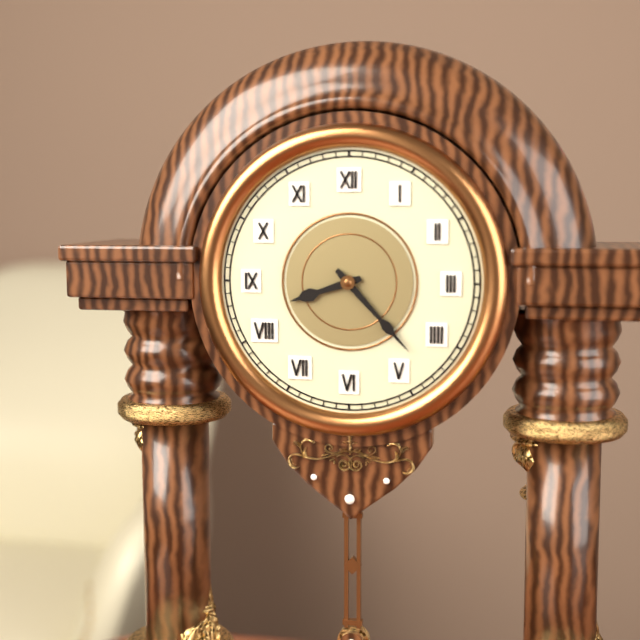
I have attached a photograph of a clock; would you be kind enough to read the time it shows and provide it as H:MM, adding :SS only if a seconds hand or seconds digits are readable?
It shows 8:23
